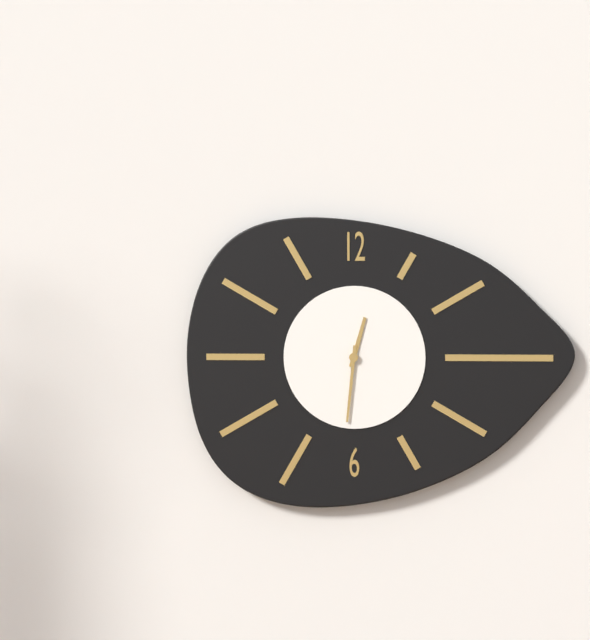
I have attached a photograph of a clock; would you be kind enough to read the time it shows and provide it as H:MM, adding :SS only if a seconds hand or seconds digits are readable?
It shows 12:31
